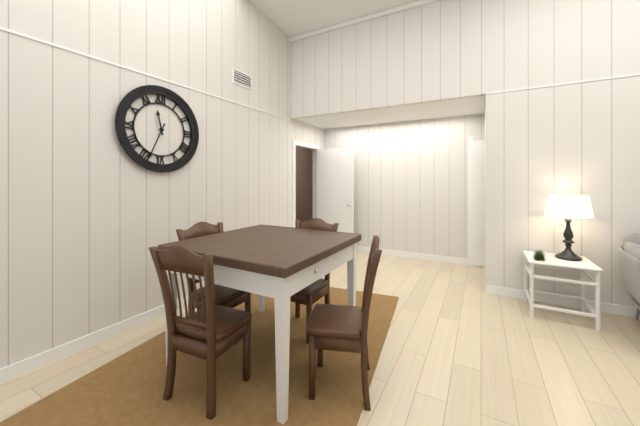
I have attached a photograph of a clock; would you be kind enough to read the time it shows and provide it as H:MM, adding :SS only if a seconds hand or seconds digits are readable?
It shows 11:34
